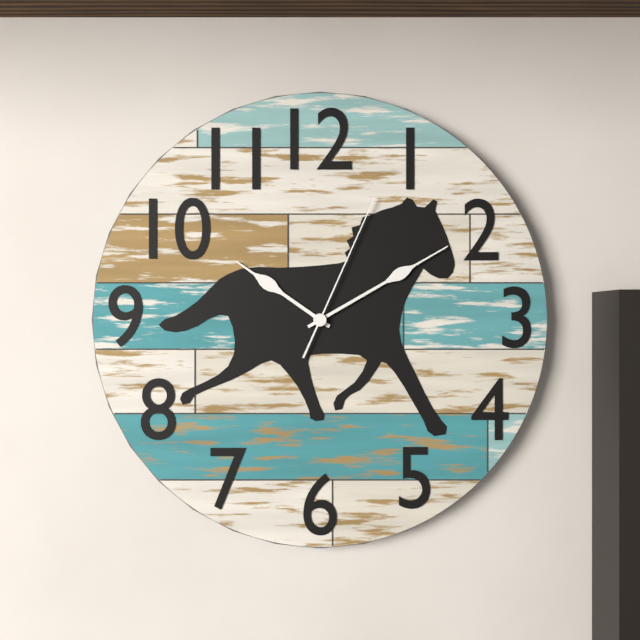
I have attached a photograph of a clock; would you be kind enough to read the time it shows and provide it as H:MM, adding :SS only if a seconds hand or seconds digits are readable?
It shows 10:10:04
